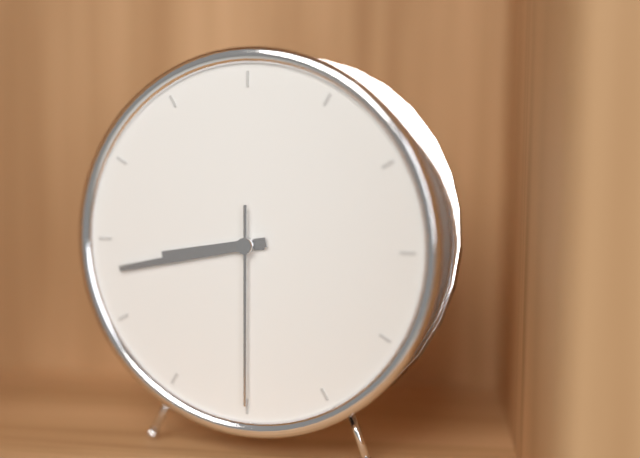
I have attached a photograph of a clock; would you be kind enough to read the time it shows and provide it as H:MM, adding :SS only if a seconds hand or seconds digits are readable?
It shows 8:43:30
